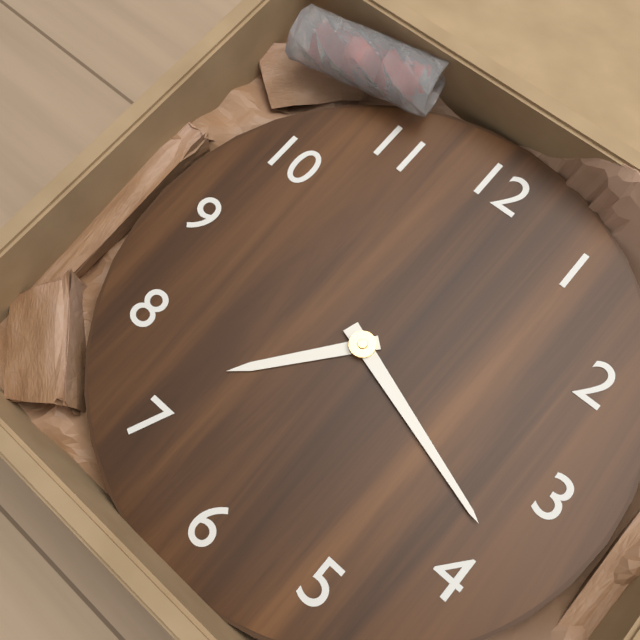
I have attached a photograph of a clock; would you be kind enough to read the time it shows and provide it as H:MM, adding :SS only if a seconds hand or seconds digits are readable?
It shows 7:18
